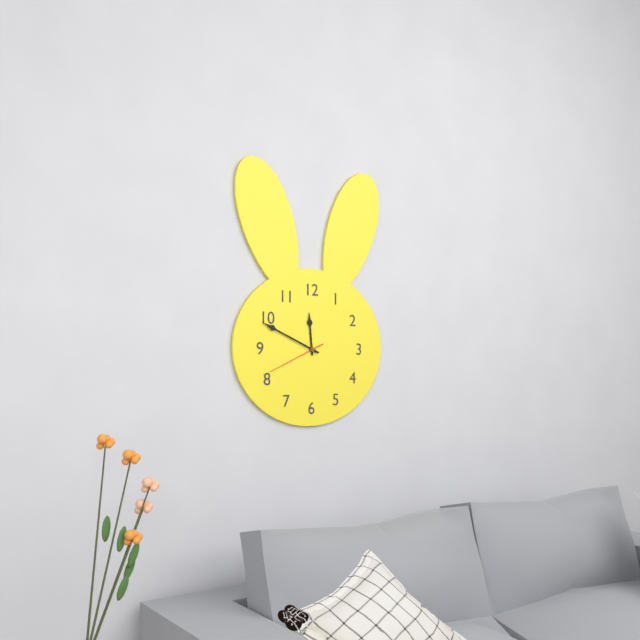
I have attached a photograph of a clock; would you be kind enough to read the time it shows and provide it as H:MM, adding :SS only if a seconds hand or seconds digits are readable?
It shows 11:49:41
